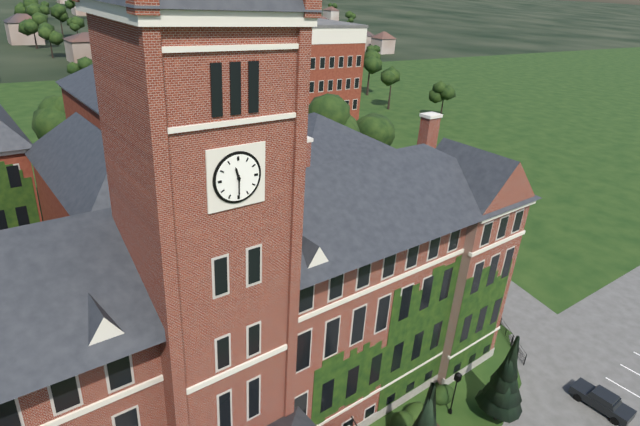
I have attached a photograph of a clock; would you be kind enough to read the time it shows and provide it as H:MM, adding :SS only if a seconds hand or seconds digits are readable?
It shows 11:30
